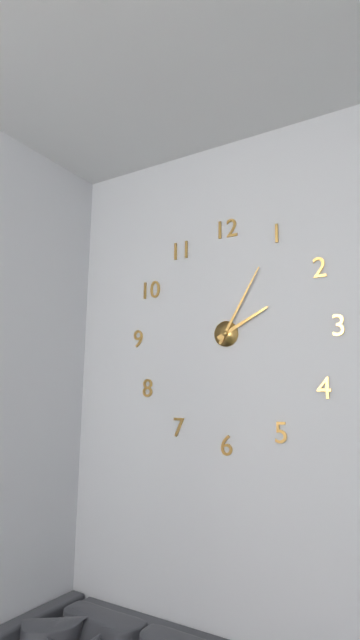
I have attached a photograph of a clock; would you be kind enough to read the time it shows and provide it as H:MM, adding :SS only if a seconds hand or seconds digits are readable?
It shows 2:05
